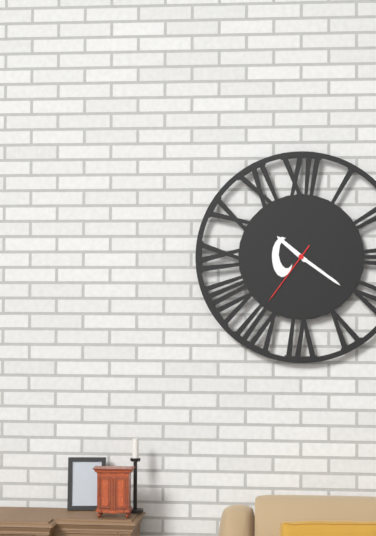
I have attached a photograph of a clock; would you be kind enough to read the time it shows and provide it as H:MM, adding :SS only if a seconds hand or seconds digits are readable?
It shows 10:21:36
